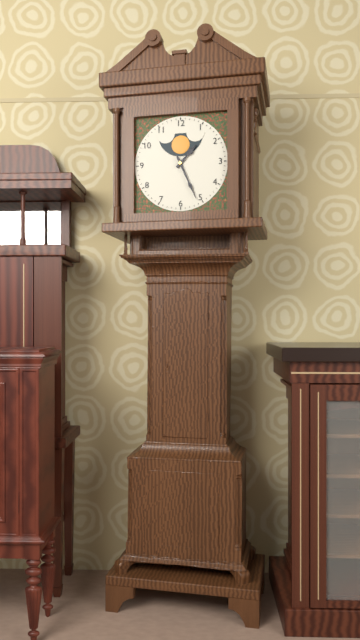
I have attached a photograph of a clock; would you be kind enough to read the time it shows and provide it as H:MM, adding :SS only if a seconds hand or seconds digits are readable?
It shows 1:26
